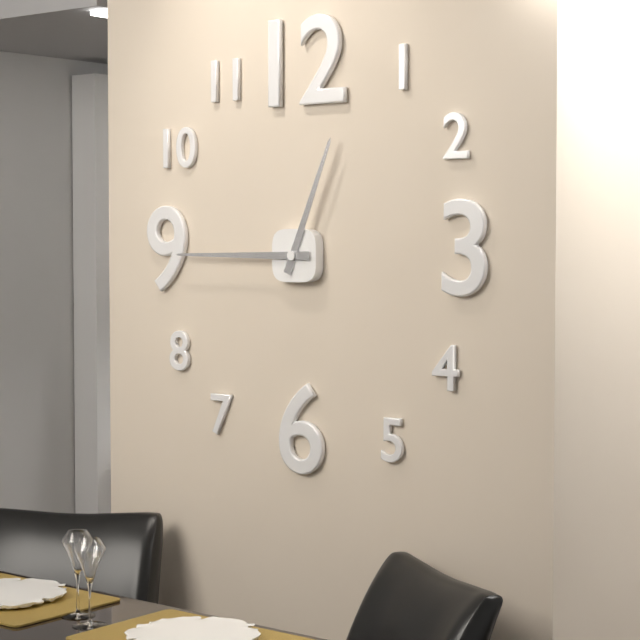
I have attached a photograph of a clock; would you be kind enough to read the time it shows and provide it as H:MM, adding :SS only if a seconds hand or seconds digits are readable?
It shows 12:45
